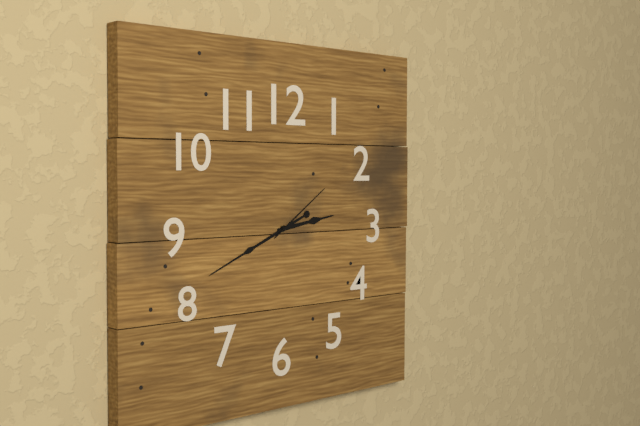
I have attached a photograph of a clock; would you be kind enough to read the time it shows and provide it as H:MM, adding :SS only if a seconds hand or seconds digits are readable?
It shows 2:41:09
